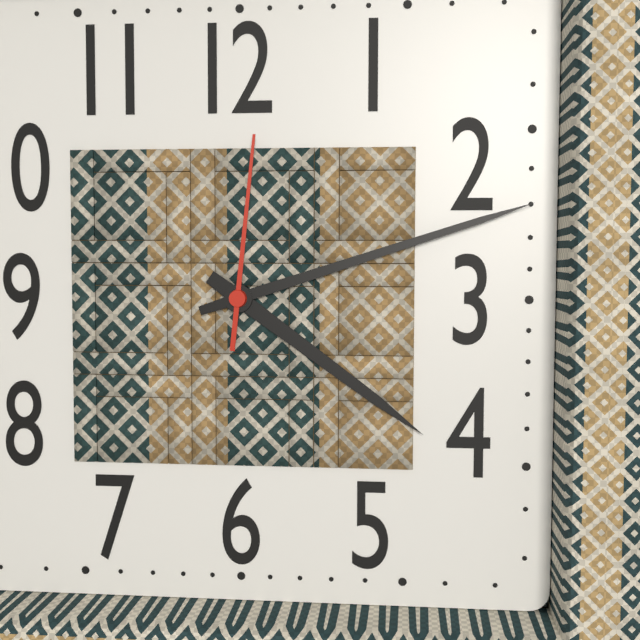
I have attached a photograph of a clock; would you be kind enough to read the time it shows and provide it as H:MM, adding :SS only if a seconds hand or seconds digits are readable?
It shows 4:12:01
